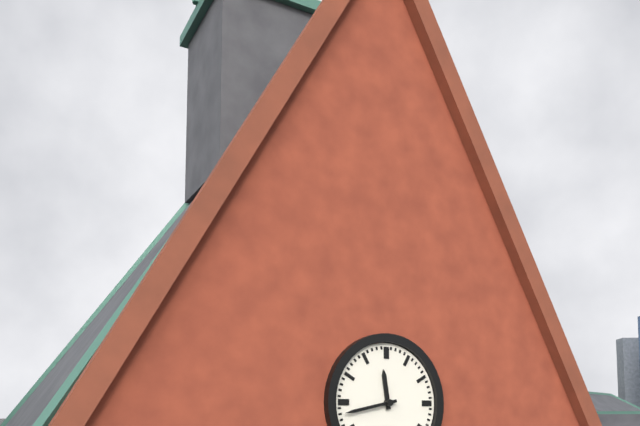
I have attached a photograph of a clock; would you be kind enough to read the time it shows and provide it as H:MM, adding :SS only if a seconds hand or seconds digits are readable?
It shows 11:43
